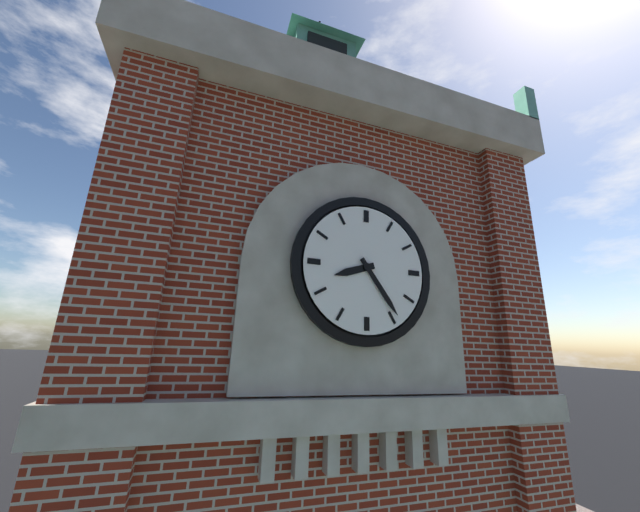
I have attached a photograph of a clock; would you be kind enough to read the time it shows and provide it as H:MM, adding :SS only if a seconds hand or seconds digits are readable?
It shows 8:24
